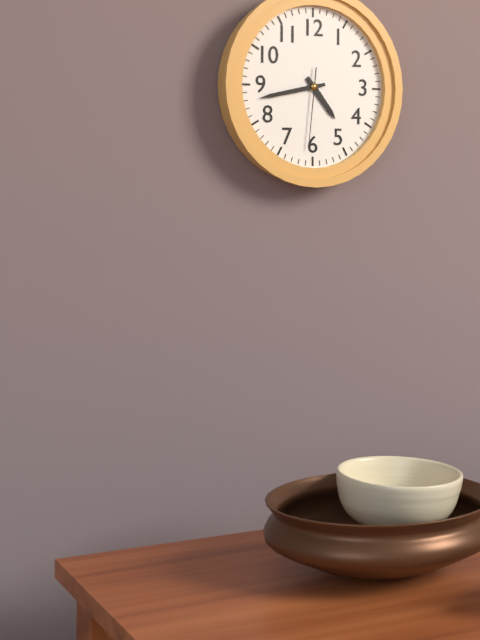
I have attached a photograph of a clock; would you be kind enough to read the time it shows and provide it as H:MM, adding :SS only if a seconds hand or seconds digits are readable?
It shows 4:43:31
